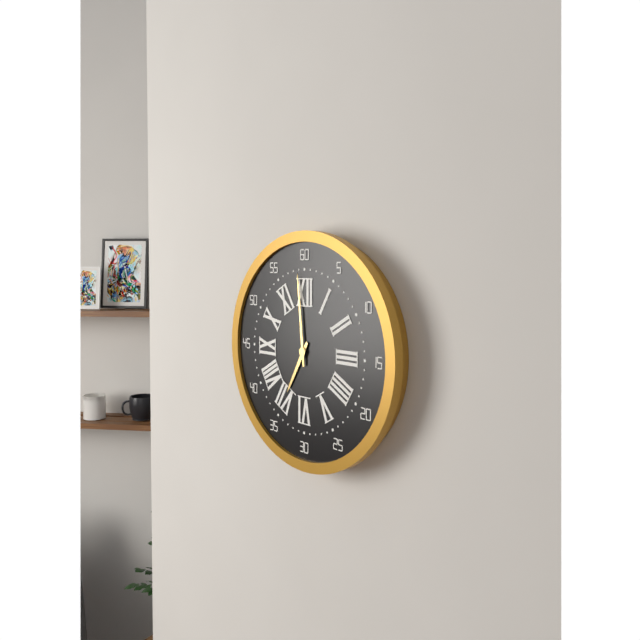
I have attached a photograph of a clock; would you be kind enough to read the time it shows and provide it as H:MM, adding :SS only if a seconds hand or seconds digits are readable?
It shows 6:59
